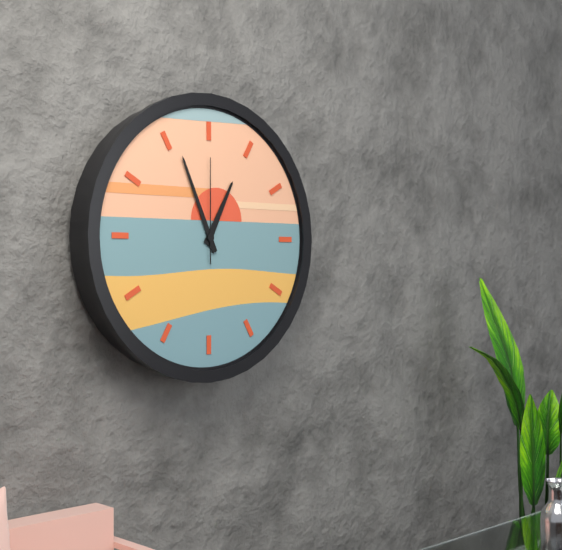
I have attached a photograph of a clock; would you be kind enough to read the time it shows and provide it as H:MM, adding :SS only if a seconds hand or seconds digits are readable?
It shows 12:56:00
